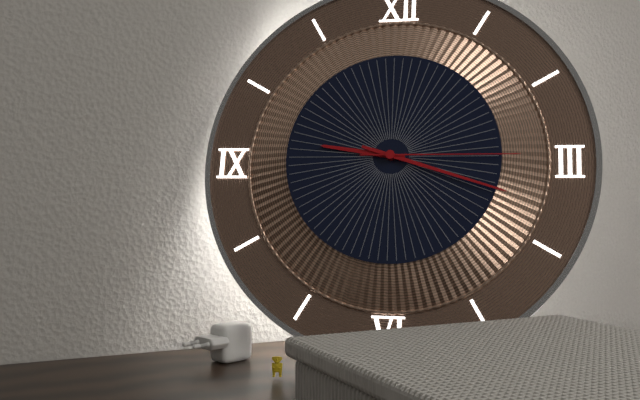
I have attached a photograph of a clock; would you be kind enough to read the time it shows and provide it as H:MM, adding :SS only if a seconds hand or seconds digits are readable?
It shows 9:18:15
